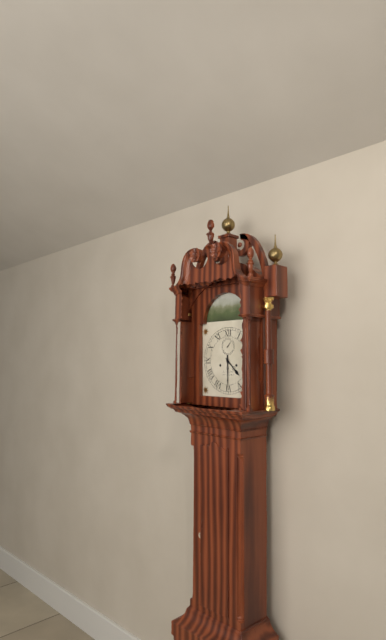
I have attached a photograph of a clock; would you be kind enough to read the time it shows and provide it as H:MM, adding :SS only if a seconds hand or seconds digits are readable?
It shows 4:30
